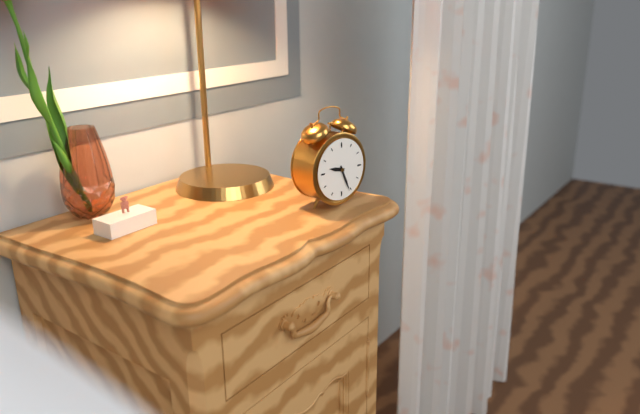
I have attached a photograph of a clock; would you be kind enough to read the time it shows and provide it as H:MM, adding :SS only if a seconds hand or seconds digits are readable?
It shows 9:26
